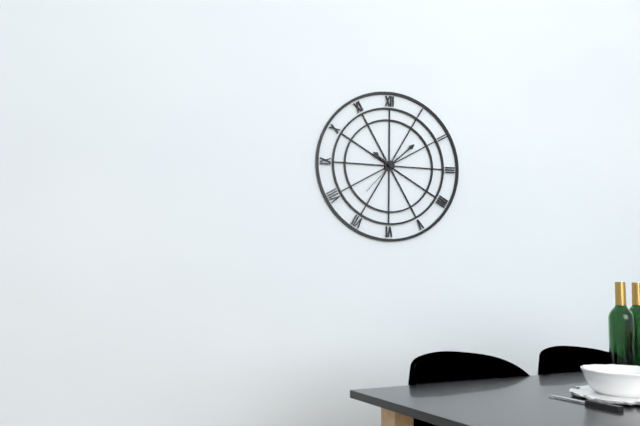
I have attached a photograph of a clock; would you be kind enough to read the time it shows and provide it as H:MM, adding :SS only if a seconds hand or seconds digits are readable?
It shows 10:08
